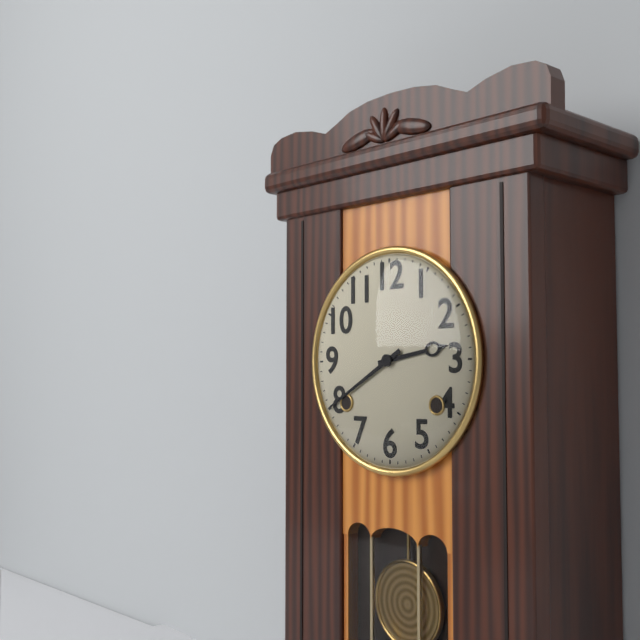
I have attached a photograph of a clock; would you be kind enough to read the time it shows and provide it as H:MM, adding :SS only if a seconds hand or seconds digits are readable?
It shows 2:40
